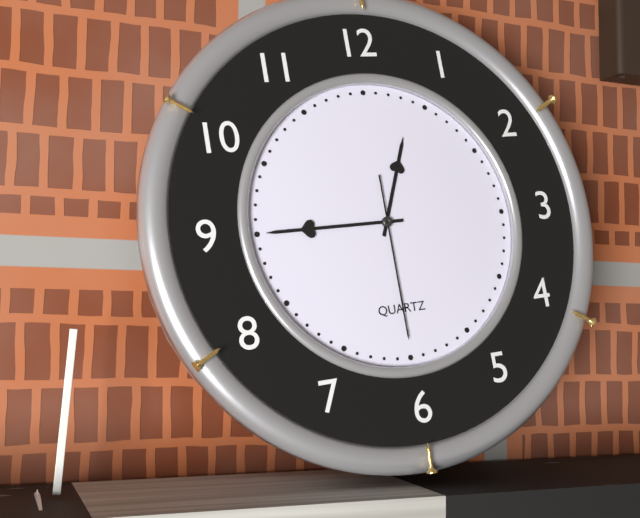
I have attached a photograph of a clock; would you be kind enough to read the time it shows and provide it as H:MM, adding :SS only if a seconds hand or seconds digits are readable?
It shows 12:45:30
